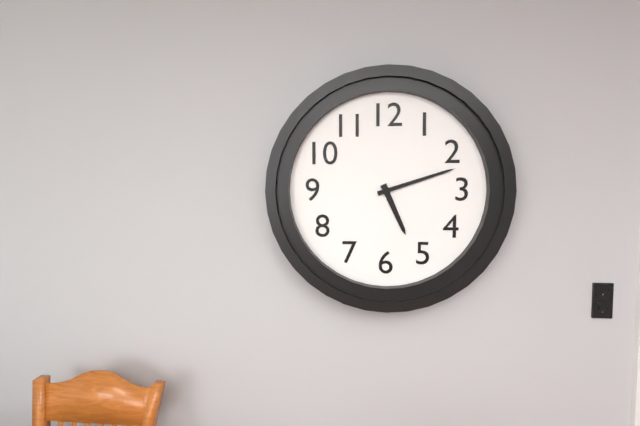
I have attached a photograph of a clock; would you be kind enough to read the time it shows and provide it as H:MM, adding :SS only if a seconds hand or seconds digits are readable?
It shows 5:12
